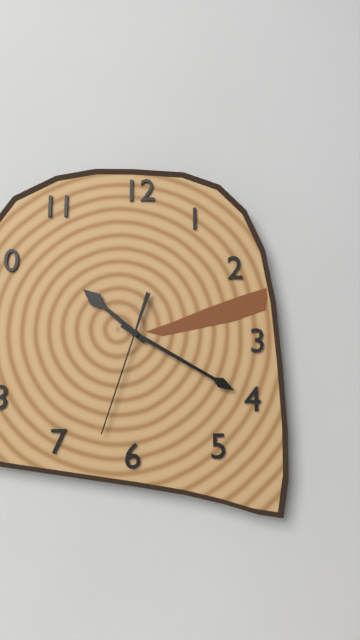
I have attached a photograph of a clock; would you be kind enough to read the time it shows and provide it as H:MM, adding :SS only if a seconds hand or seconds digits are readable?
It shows 10:20:33
